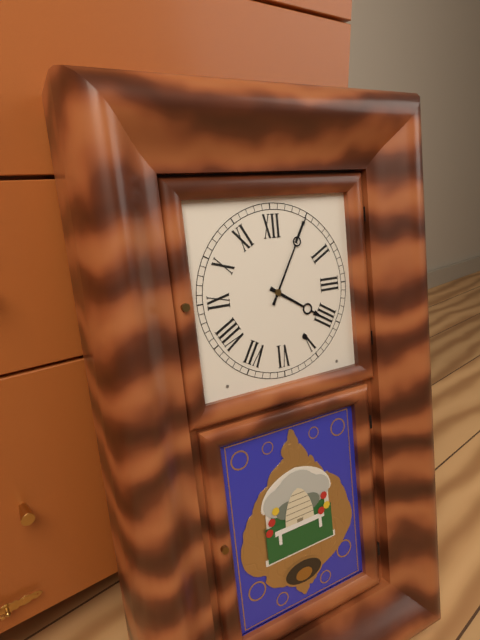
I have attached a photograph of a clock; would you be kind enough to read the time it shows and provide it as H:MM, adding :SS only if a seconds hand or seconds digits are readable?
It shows 4:05
